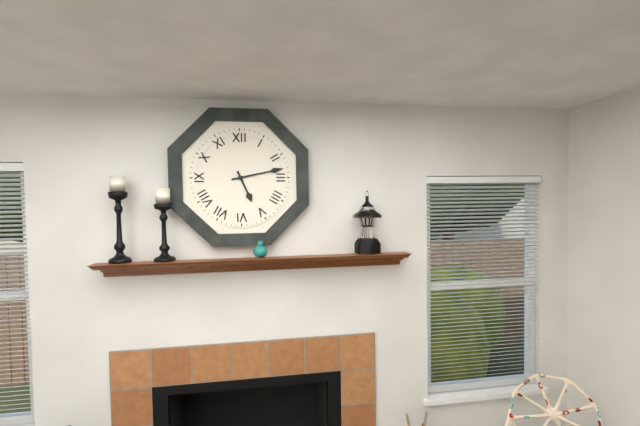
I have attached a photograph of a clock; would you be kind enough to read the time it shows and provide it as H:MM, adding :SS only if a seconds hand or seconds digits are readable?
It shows 5:13
